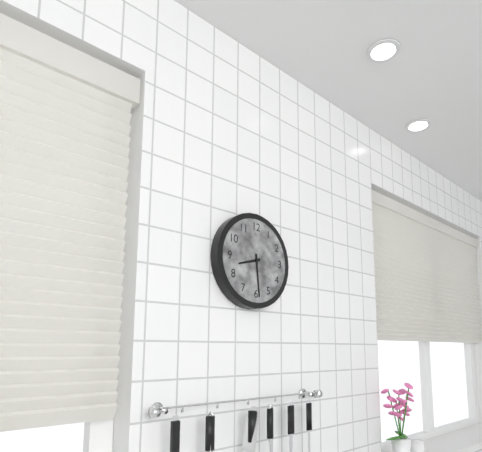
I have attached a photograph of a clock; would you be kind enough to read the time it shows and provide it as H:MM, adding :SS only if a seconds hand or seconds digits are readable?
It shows 8:29
